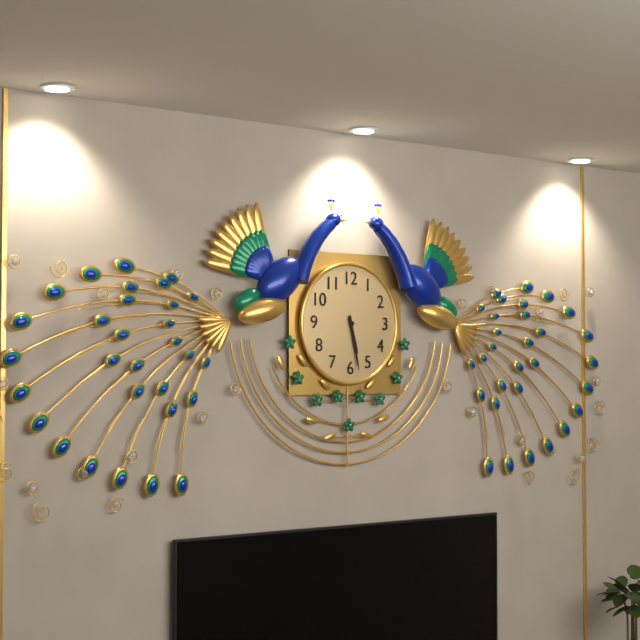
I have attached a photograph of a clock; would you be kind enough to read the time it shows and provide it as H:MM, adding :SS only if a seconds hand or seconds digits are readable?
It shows 5:28
